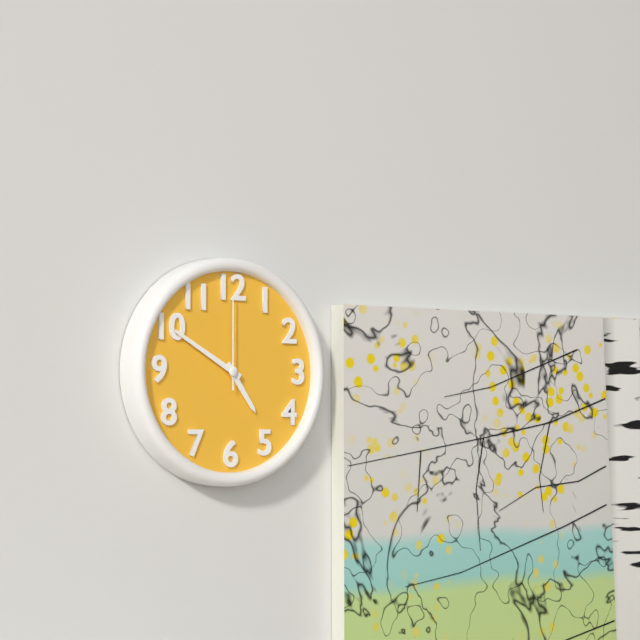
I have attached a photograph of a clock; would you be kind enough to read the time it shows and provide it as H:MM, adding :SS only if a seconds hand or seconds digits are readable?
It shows 4:50:00
